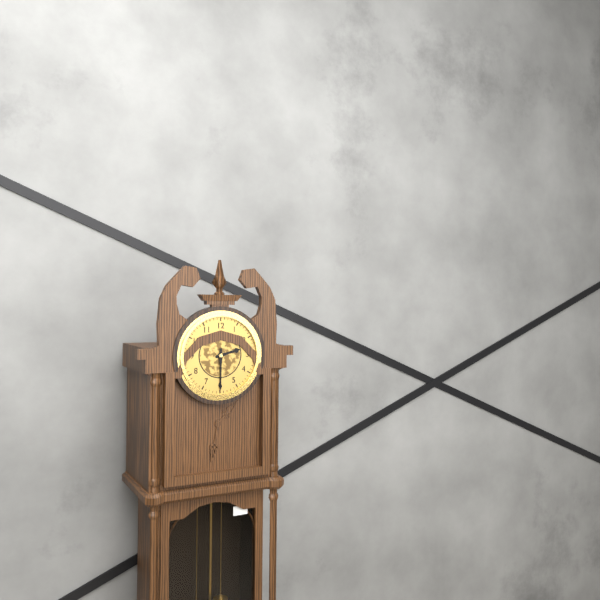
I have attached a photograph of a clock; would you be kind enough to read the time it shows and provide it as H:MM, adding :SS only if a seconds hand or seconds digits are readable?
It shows 2:30
